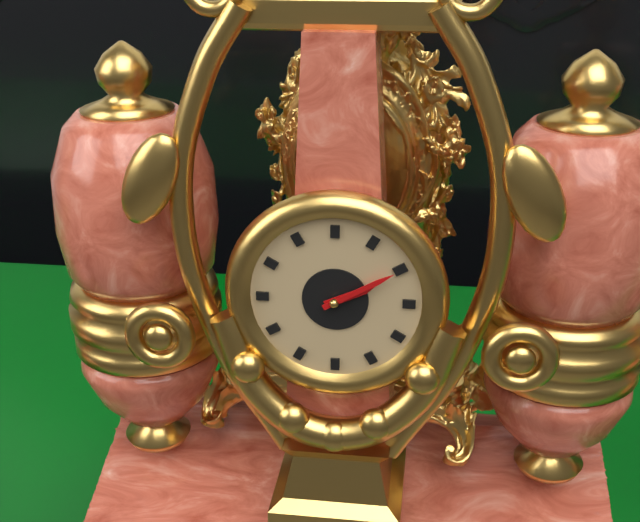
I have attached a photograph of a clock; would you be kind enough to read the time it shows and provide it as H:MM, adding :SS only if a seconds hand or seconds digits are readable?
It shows 2:10
